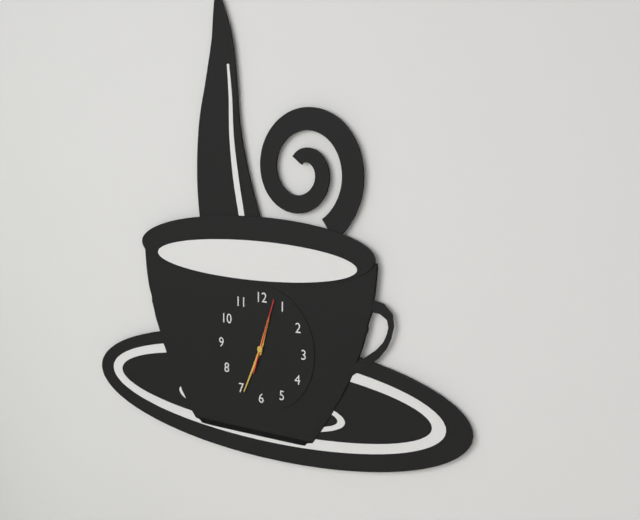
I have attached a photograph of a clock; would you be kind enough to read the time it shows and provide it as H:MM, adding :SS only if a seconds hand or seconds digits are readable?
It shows 12:34:03
